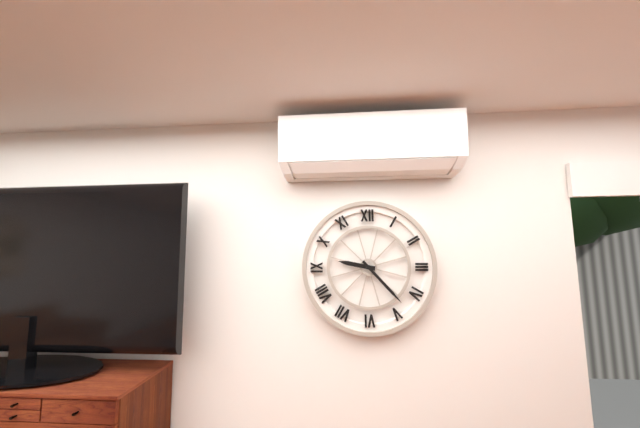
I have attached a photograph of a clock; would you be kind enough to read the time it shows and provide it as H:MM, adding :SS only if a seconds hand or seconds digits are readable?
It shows 9:23
